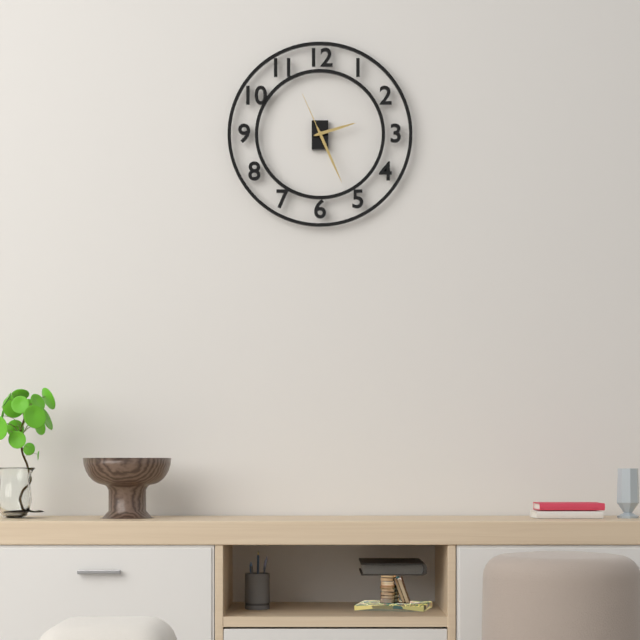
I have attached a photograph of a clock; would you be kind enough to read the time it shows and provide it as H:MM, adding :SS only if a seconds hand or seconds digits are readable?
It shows 2:26:56
